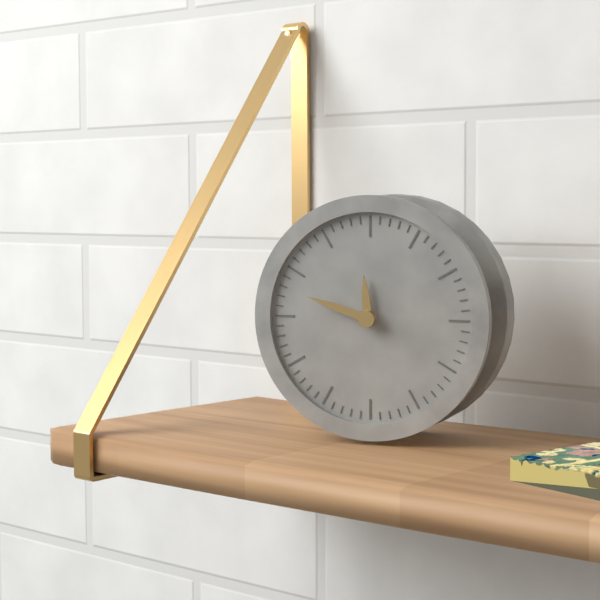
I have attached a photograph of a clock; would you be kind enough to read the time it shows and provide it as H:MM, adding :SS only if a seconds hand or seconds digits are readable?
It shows 11:48
